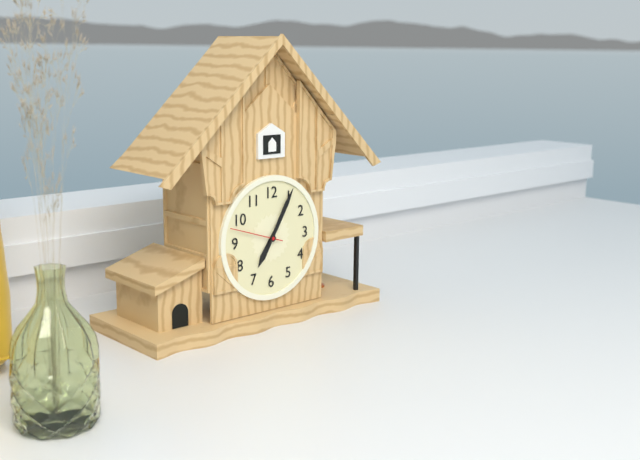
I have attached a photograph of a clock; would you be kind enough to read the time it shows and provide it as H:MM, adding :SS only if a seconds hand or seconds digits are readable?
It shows 7:05:48
